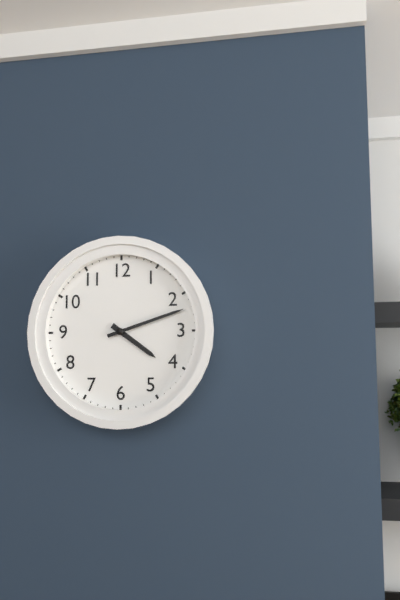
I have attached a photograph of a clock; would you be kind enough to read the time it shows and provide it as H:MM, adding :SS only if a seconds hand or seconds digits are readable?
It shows 4:12
